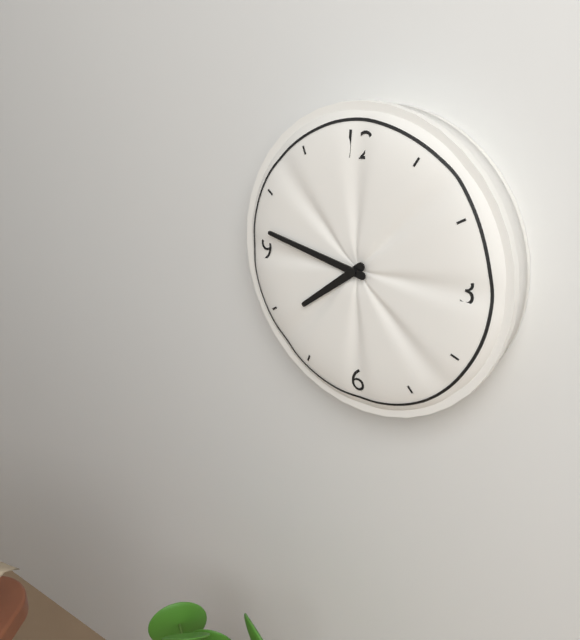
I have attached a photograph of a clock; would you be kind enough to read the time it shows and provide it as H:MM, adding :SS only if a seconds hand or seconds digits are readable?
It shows 7:47
